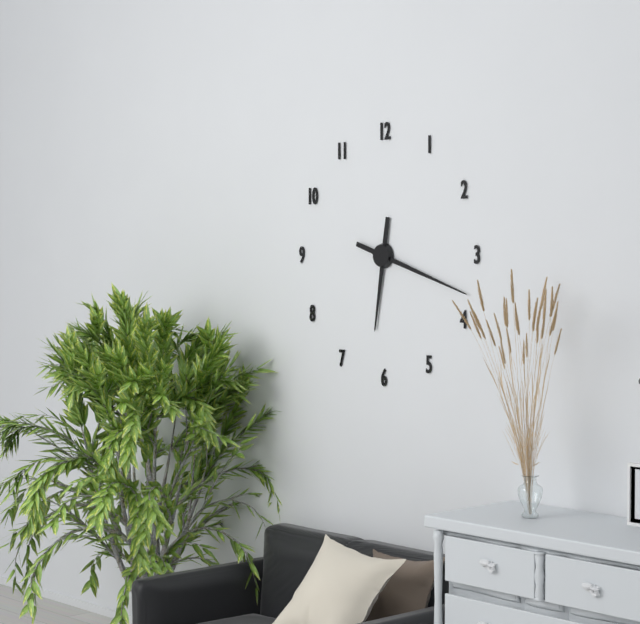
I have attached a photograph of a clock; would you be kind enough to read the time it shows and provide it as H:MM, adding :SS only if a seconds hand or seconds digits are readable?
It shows 6:18
